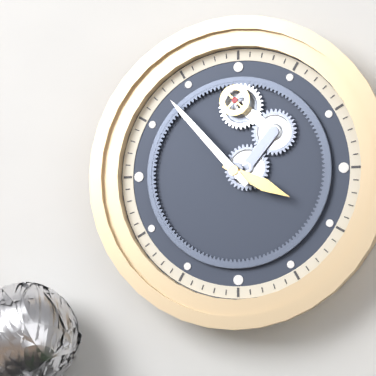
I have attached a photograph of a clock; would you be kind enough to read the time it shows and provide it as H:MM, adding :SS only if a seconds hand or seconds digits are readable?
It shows 3:53
